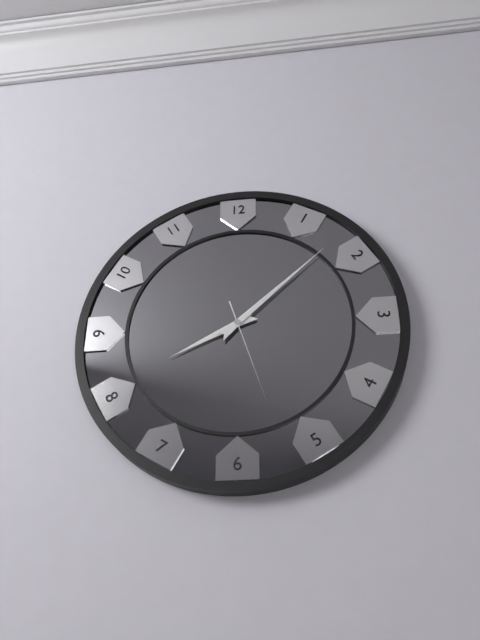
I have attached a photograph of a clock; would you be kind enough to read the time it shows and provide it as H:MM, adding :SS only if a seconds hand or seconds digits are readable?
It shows 8:08:27
